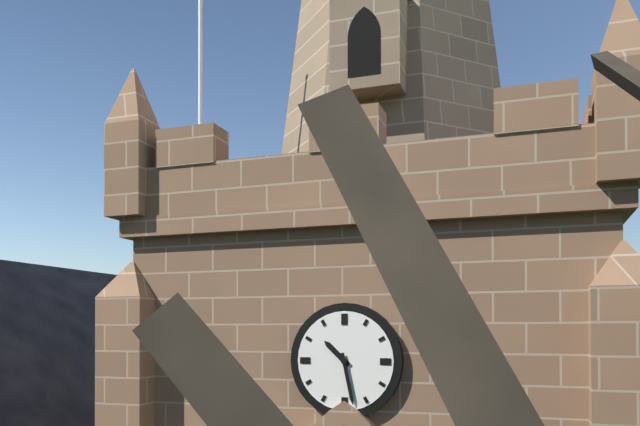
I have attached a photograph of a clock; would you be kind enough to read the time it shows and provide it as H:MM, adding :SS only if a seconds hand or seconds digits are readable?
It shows 10:28
